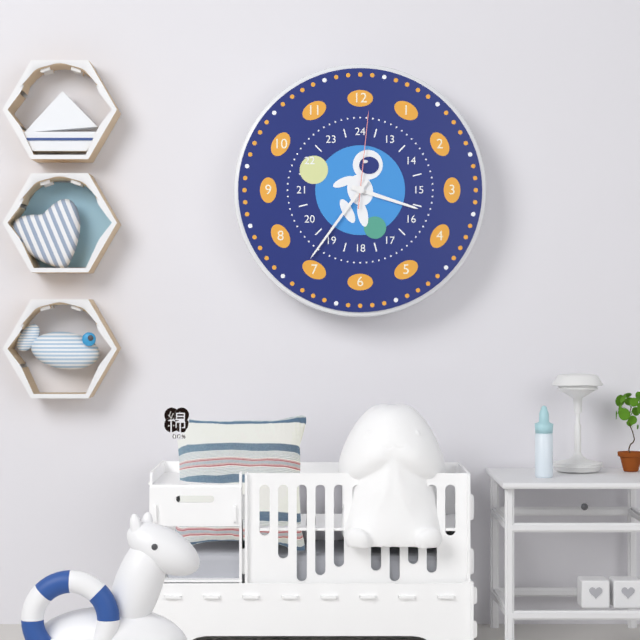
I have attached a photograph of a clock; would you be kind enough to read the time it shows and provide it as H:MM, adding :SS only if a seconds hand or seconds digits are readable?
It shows 3:36:01
